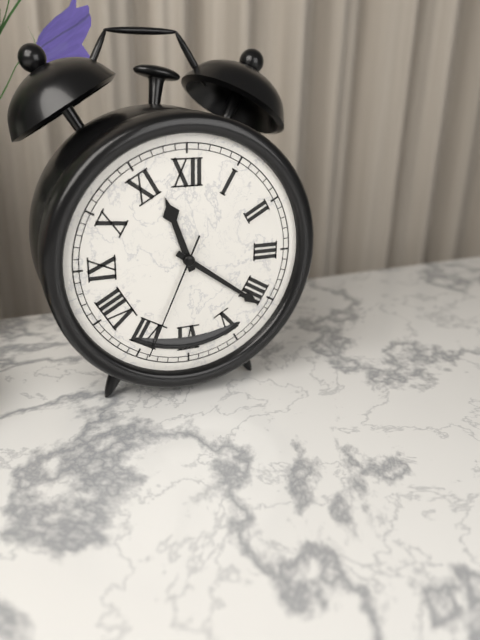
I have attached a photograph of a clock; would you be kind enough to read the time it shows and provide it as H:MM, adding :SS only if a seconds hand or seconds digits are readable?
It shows 11:21:34
